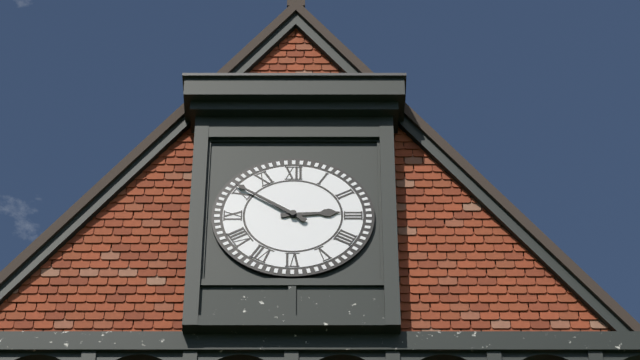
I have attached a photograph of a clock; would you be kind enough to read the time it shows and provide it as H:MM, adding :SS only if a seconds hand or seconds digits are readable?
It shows 2:51
